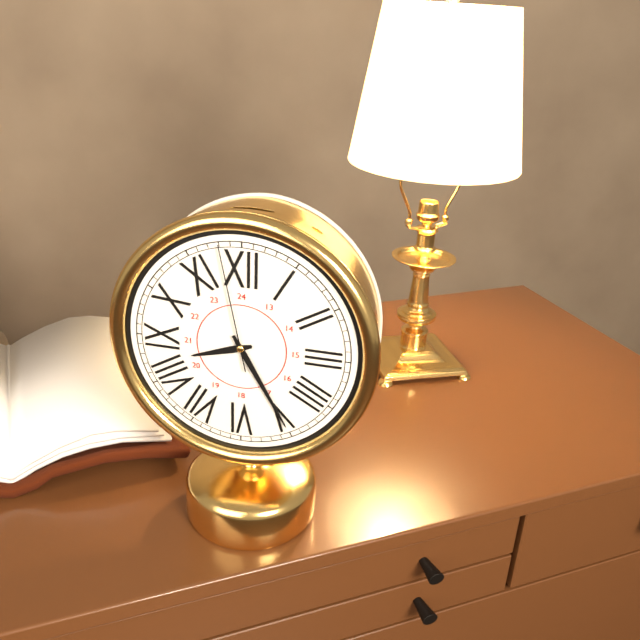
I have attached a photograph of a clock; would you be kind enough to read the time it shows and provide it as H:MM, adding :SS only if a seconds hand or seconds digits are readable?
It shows 8:25:58
